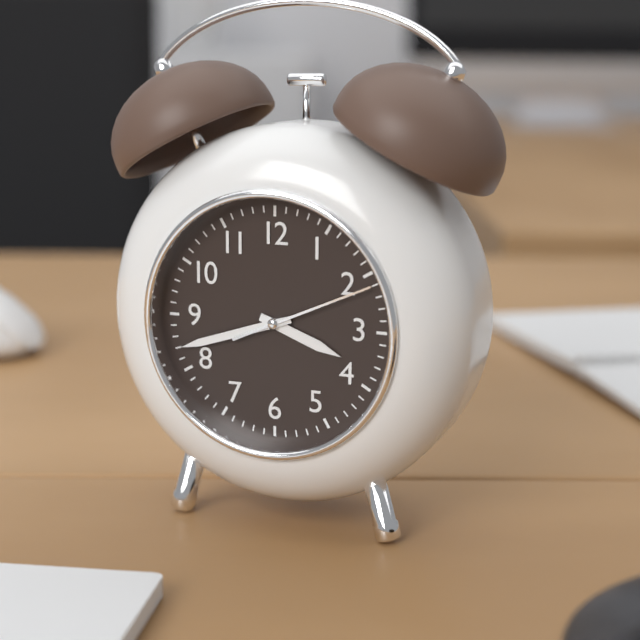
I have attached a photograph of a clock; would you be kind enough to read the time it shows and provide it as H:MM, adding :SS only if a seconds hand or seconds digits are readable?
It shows 3:42:11
